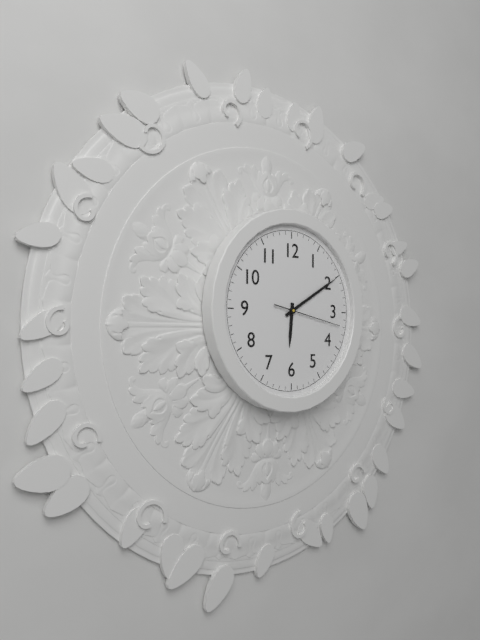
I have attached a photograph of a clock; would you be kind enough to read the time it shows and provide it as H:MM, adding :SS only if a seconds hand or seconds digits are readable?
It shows 6:10:17
